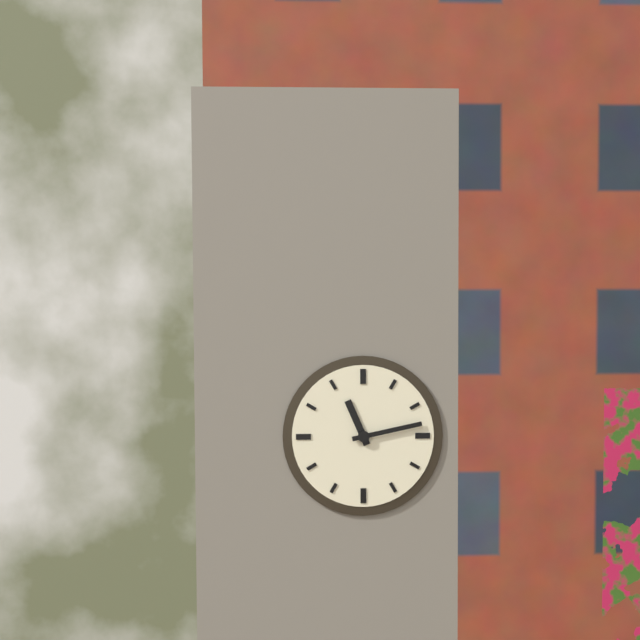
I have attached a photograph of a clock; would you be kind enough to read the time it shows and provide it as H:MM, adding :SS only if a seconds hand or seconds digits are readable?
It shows 11:13
